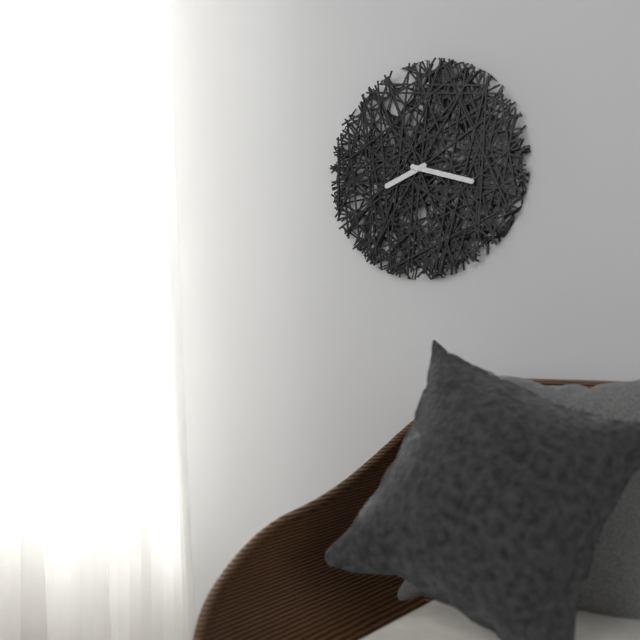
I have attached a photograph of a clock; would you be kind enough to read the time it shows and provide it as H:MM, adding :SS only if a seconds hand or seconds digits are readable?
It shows 8:18
